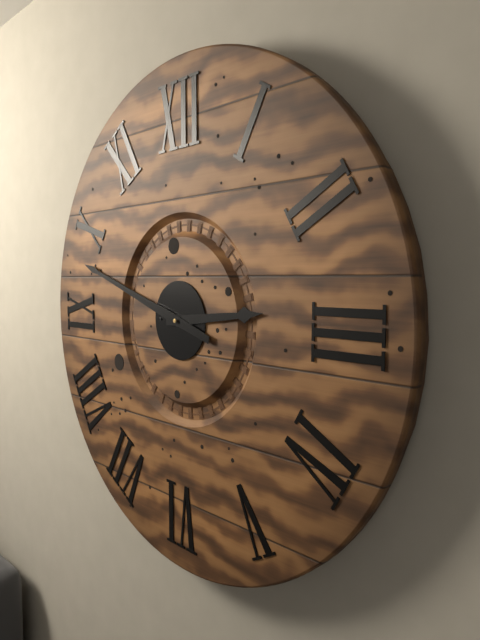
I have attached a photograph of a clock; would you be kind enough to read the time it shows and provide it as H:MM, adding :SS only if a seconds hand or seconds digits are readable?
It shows 2:48
